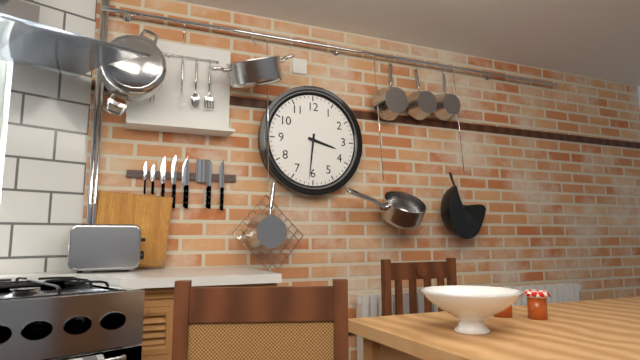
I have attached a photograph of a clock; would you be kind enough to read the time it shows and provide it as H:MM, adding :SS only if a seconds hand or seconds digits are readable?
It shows 3:31
